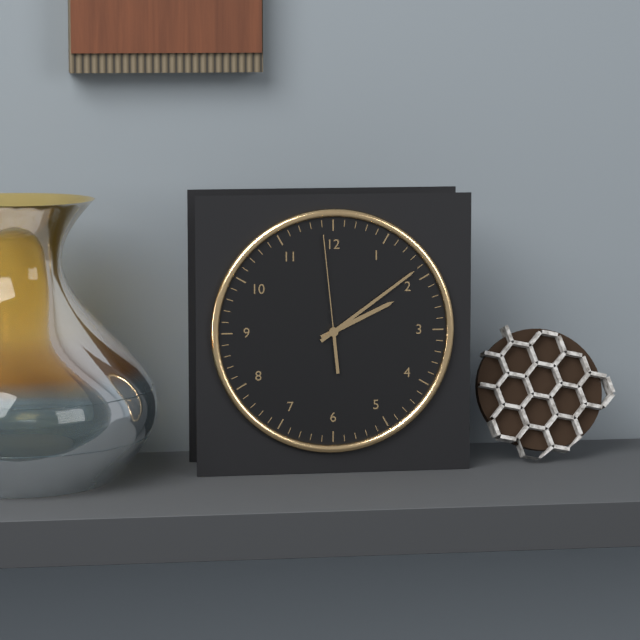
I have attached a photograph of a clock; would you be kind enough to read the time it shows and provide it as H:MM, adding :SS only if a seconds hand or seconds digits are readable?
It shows 2:09:59
